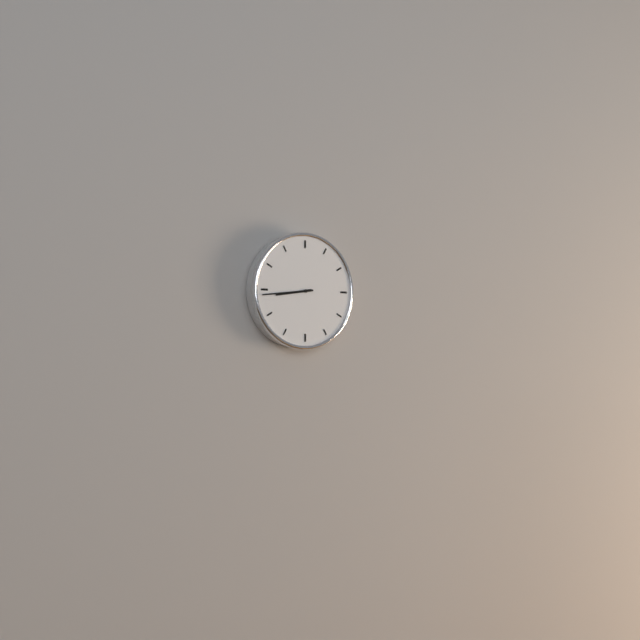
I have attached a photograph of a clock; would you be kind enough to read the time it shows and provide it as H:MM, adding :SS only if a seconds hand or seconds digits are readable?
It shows 8:44
